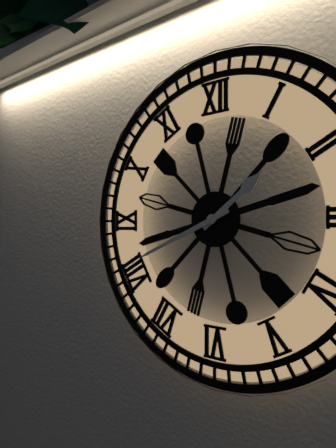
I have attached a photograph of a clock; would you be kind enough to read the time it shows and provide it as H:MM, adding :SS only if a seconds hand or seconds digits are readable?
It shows 1:41
